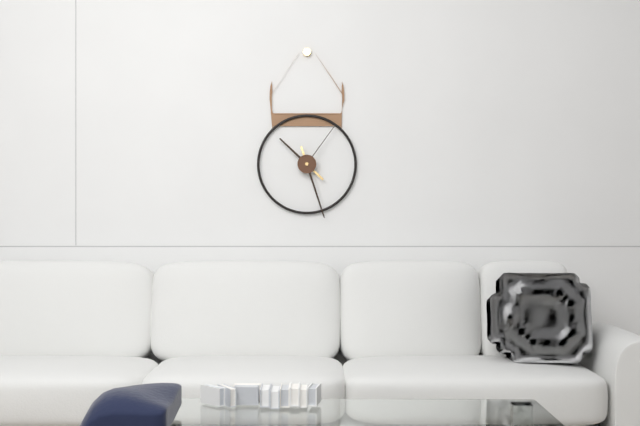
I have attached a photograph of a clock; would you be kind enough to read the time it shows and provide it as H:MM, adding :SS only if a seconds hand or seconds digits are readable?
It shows 10:27:06
